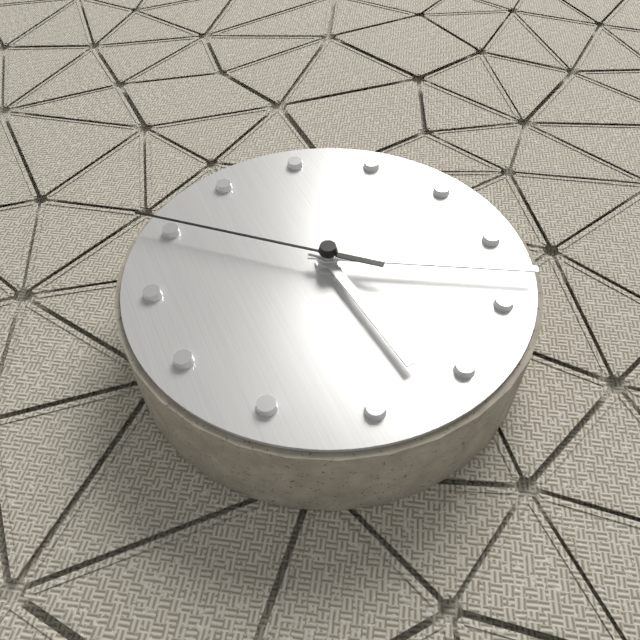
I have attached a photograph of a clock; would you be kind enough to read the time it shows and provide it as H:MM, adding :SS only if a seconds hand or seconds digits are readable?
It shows 7:28:00
